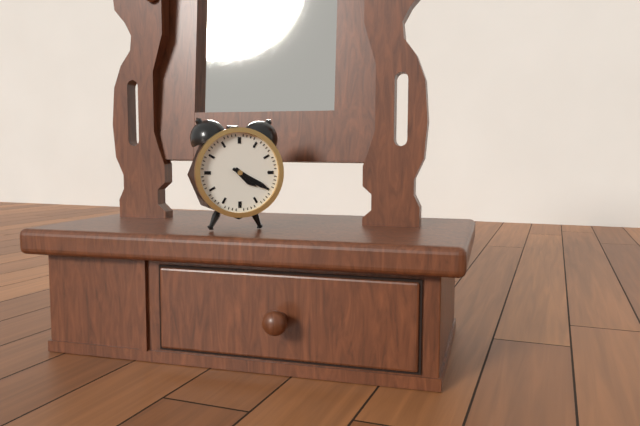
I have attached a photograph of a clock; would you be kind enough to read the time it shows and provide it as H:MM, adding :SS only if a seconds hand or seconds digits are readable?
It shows 4:20
